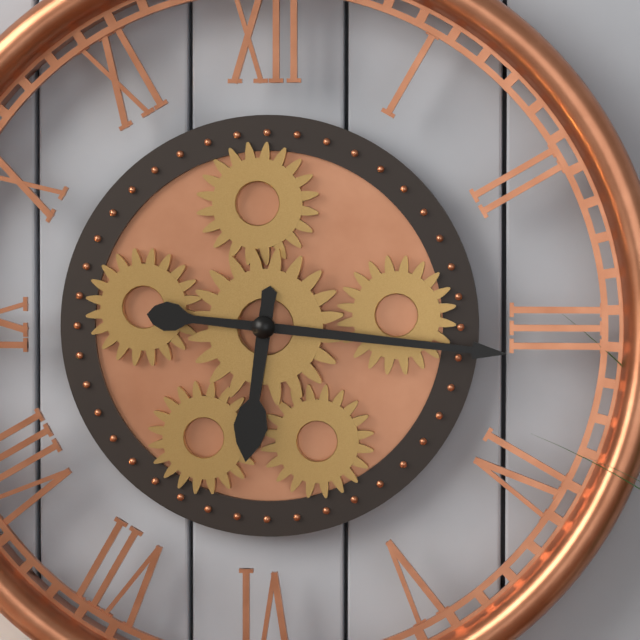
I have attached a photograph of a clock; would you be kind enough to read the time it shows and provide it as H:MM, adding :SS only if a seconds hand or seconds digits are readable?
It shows 6:16
